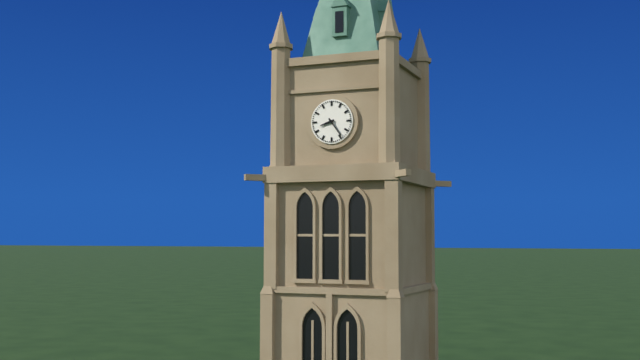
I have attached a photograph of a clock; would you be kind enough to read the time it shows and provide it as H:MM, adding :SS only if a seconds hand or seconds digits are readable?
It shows 8:24
